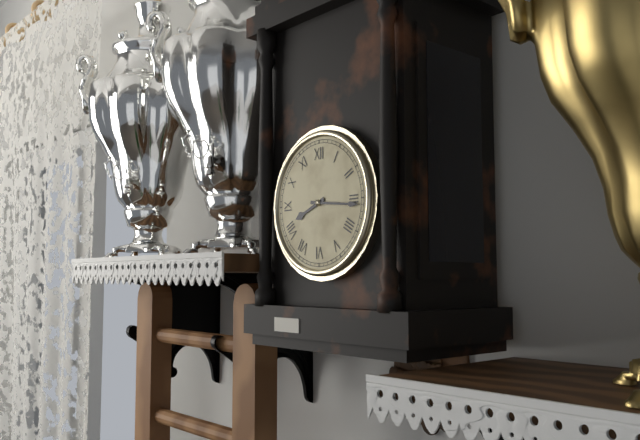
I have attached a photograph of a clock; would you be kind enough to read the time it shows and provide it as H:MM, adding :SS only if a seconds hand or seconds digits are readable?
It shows 8:16
